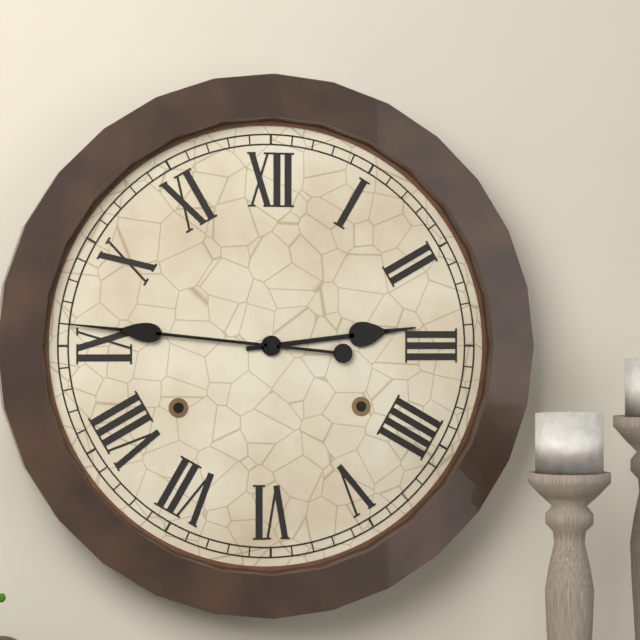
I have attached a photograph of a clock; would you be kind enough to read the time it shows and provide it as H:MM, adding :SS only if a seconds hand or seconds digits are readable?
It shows 2:46
